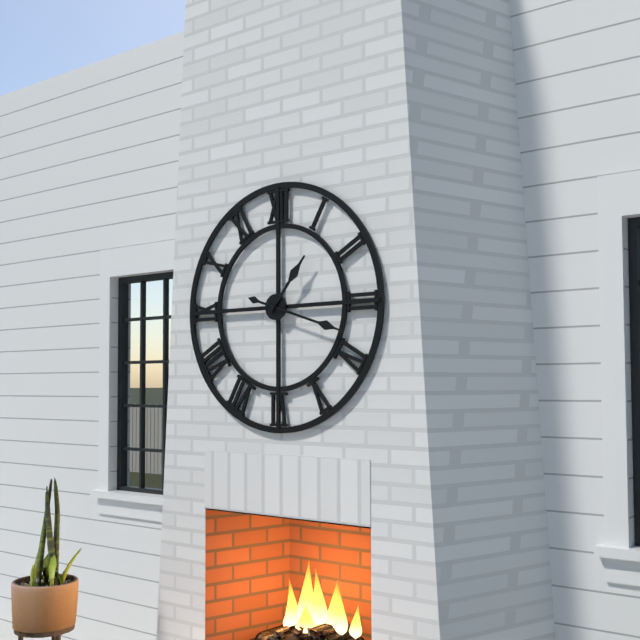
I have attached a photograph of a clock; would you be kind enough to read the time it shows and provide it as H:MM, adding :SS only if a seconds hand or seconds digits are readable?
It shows 1:18
